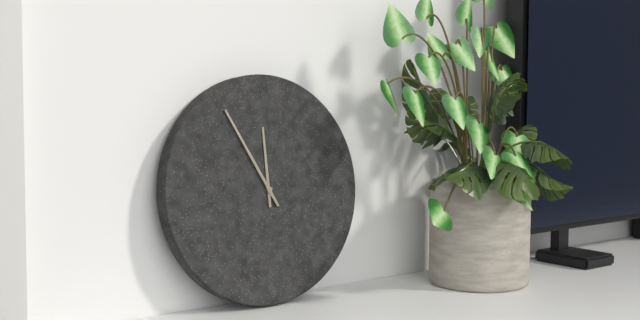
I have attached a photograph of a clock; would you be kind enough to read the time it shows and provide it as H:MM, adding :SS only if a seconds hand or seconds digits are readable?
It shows 11:55
